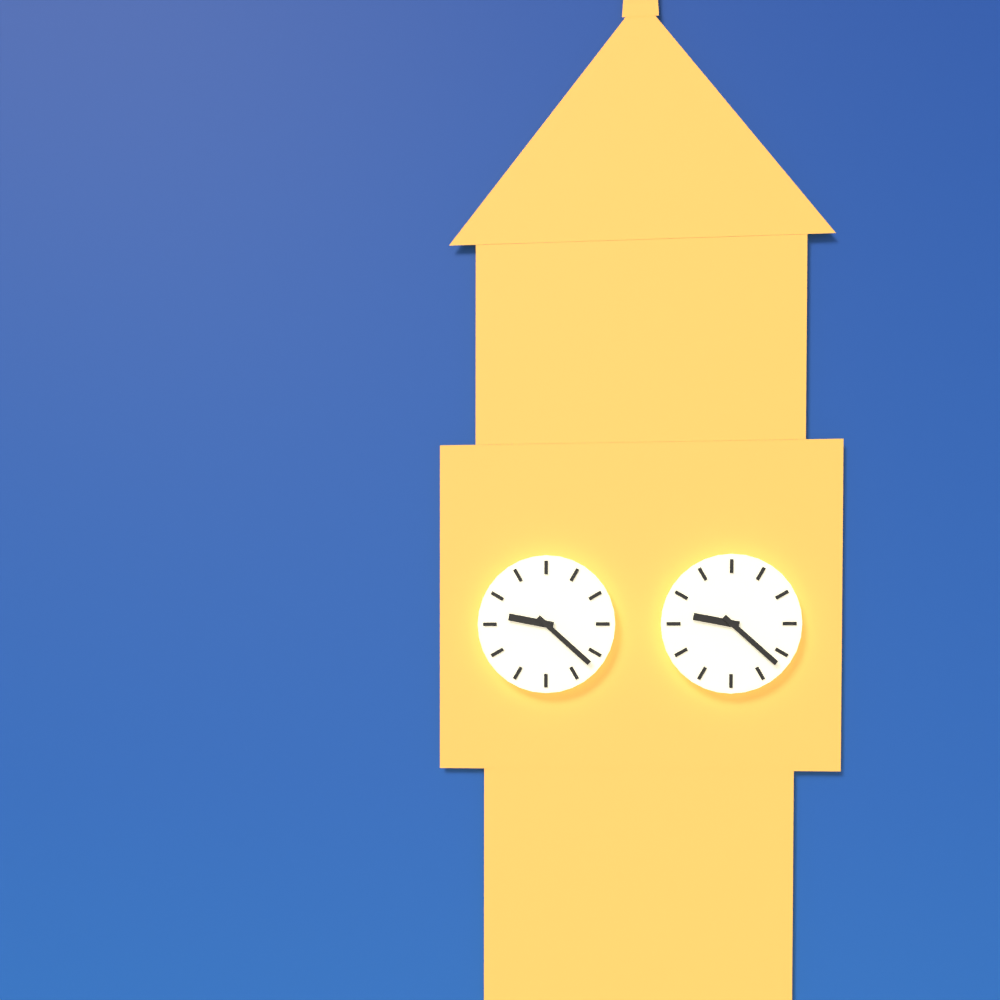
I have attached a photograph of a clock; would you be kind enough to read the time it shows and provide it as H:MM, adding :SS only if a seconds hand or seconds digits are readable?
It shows 9:22
